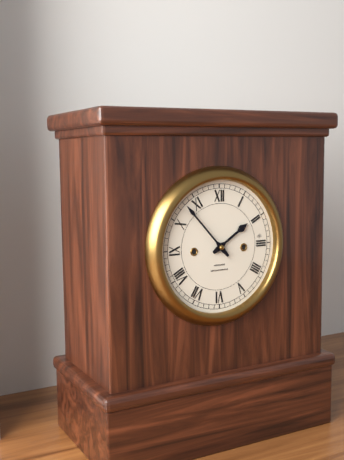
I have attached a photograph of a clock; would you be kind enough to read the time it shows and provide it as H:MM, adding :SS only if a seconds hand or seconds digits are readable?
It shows 1:53
